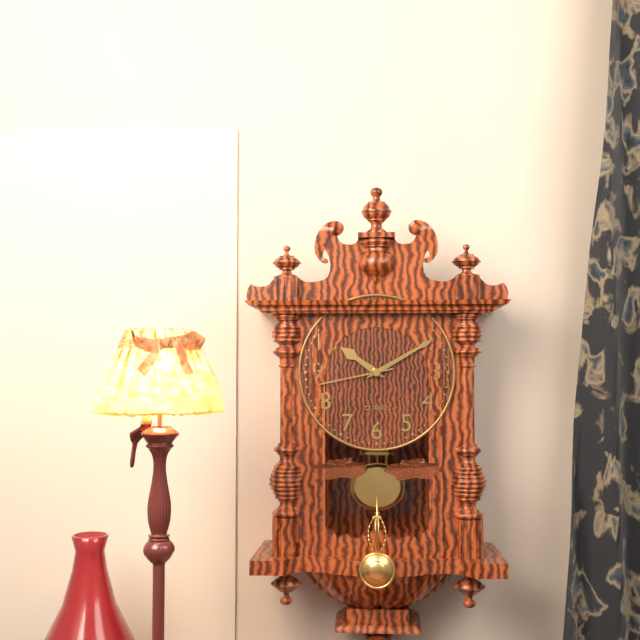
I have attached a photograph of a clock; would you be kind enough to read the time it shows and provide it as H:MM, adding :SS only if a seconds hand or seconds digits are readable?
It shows 10:10:43
